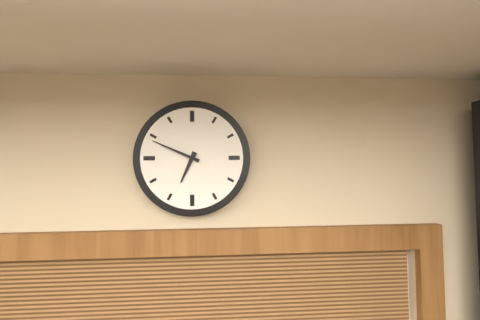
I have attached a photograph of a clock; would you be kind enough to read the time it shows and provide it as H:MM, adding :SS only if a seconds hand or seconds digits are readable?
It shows 6:49
